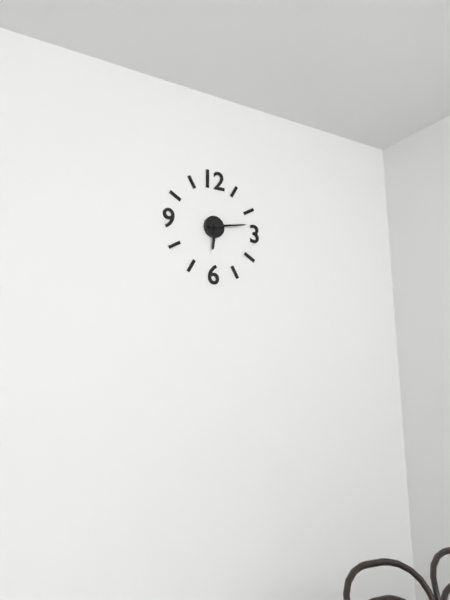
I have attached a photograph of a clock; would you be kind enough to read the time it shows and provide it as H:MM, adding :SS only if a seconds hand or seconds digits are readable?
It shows 6:13
